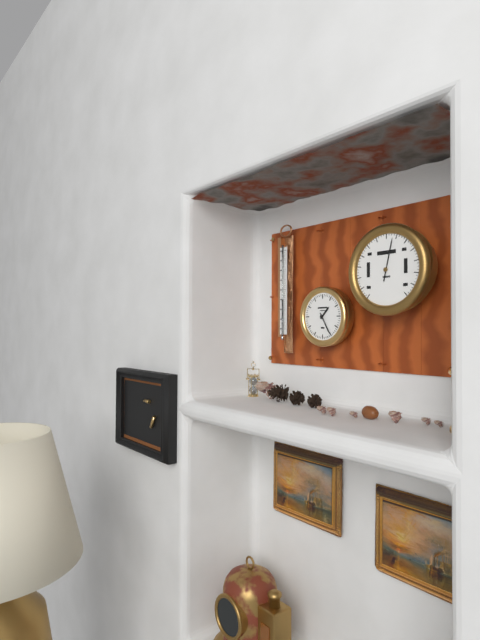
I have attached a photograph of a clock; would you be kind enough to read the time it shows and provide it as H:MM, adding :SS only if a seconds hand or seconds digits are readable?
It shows 1:25
